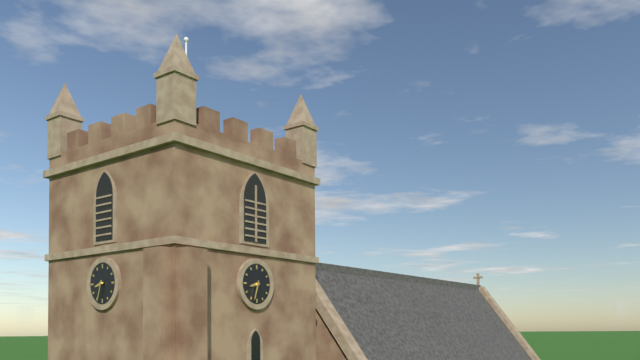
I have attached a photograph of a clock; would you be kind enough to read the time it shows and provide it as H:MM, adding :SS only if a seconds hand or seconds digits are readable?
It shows 8:33
